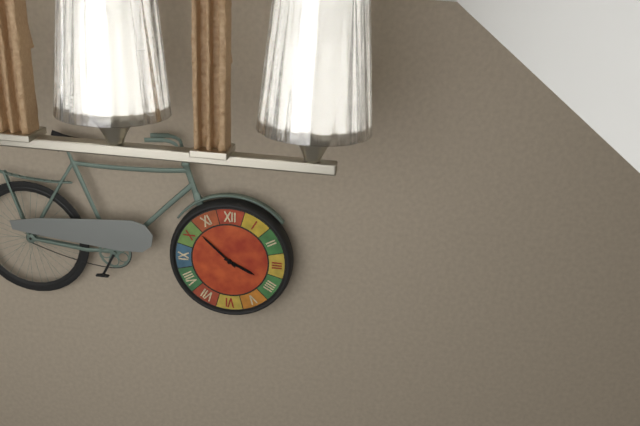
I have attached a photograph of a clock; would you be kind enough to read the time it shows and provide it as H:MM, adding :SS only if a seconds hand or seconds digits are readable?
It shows 3:52
